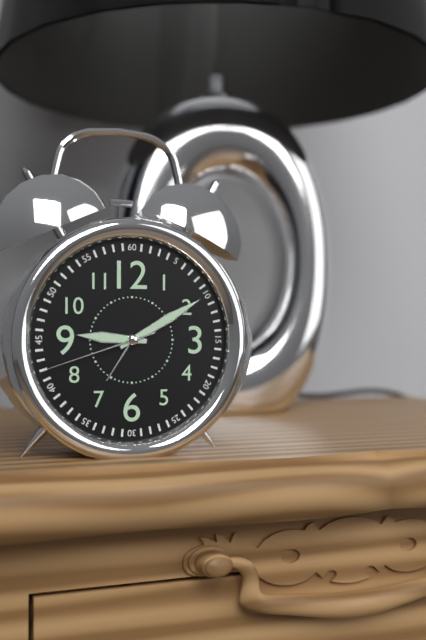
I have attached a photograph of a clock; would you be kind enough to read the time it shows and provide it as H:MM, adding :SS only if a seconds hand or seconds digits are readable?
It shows 9:10:42
